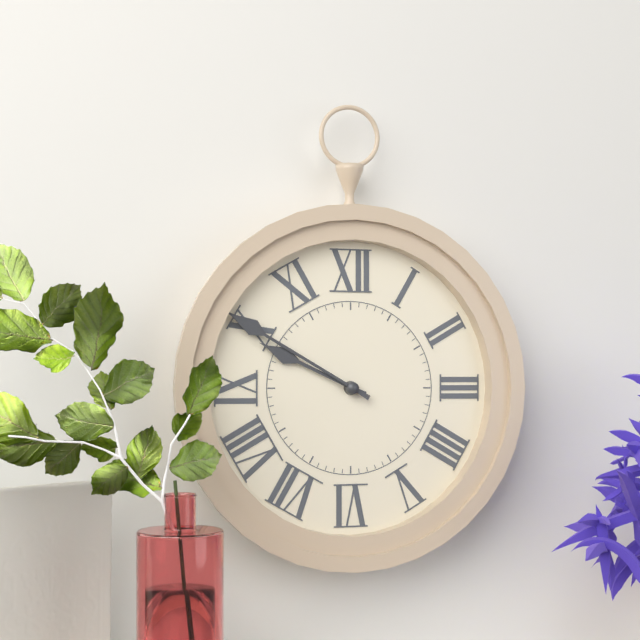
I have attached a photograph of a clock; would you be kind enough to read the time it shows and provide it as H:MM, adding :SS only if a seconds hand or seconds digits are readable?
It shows 9:50
